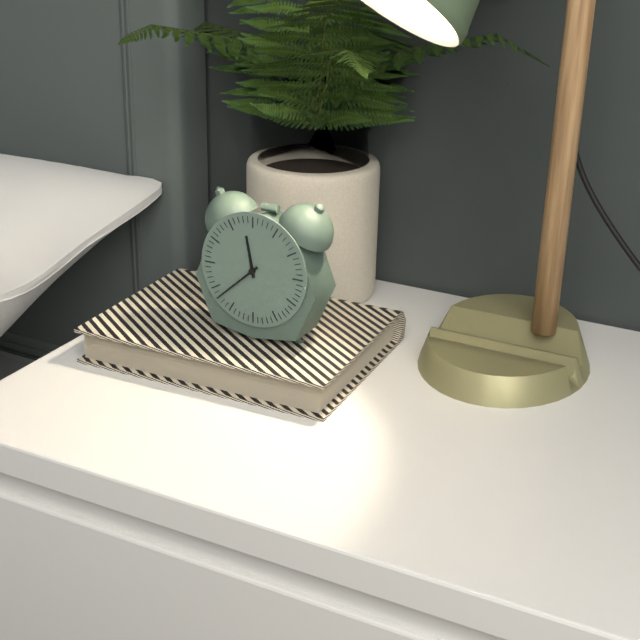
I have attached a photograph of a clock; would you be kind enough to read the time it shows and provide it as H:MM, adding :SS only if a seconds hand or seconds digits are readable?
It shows 11:38
